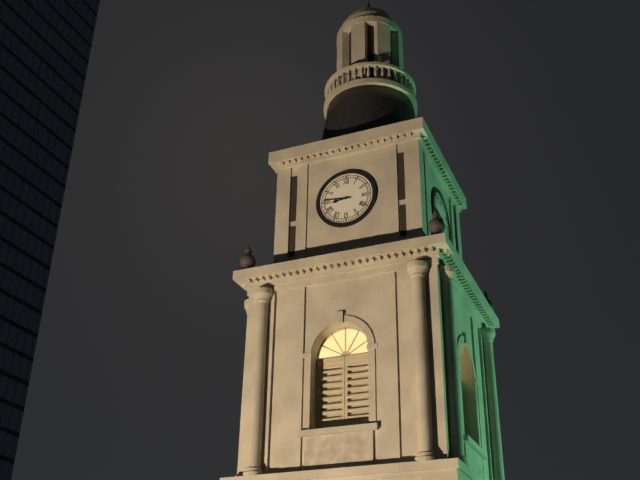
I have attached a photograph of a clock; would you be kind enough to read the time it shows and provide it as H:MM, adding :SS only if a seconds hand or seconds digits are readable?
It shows 8:46
